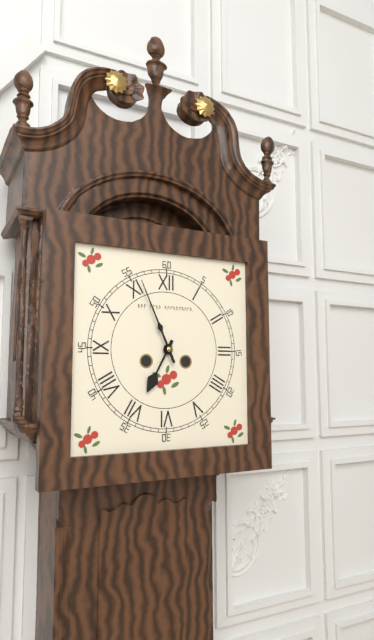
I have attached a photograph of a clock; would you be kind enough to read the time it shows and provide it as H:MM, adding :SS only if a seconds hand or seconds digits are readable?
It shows 6:56
